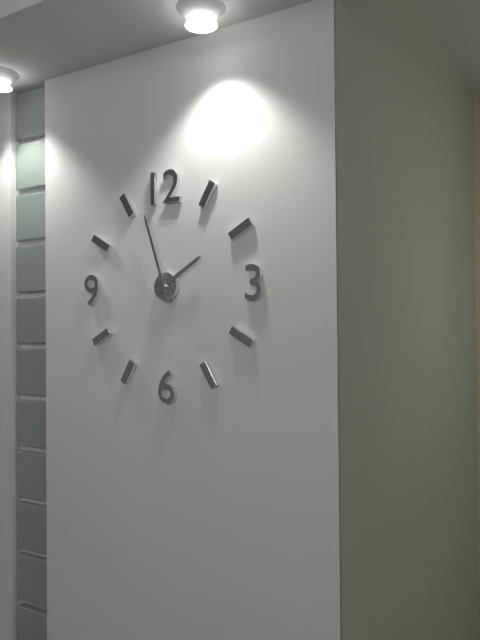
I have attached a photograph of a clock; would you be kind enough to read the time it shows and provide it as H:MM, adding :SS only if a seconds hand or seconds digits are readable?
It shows 1:57
